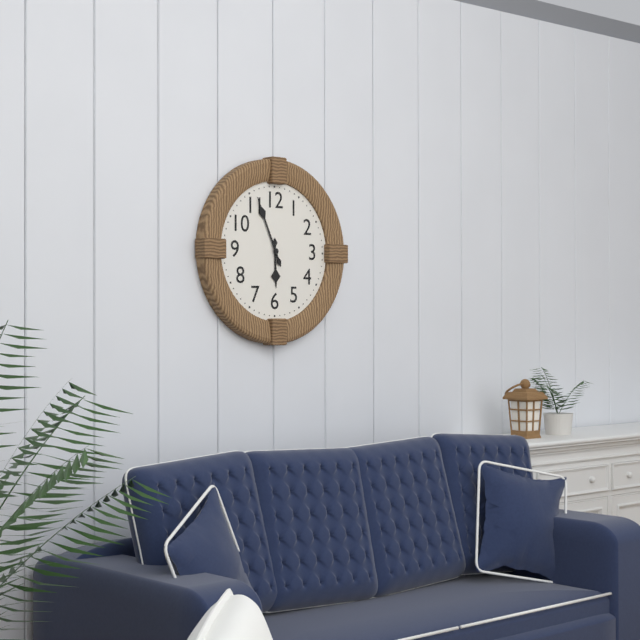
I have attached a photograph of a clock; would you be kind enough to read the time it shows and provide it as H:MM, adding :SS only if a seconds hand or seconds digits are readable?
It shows 5:56
